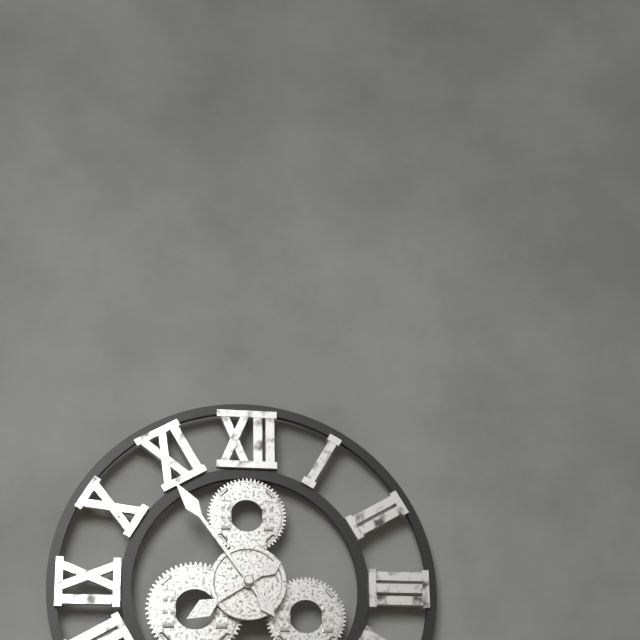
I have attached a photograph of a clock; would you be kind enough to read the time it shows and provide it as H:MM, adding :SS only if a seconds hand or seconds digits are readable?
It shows 7:54
